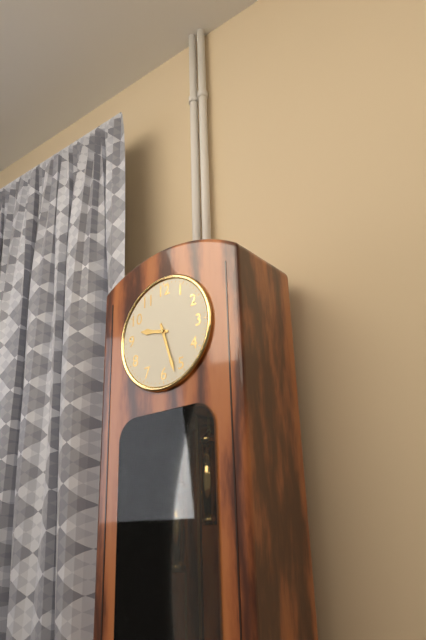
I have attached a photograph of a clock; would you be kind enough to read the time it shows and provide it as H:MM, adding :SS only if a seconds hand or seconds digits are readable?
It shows 9:27
